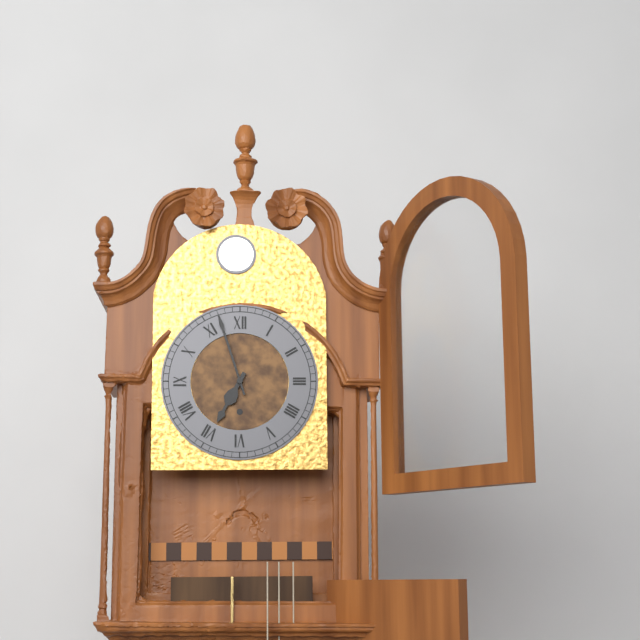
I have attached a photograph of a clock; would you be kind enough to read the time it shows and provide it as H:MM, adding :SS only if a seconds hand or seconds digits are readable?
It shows 6:57
